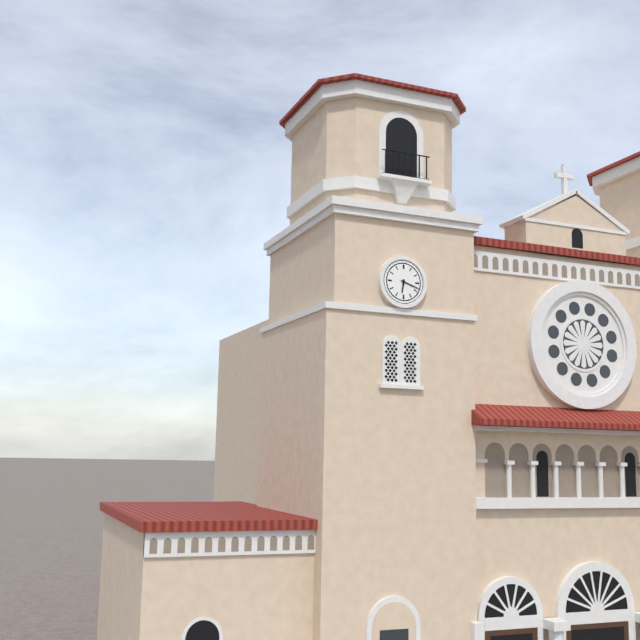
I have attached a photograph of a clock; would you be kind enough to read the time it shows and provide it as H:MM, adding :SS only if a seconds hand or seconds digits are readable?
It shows 6:18
